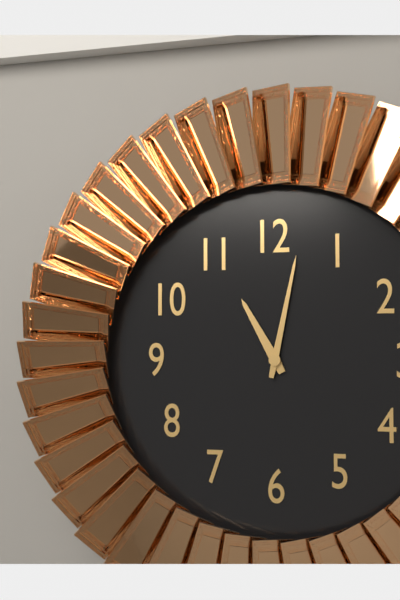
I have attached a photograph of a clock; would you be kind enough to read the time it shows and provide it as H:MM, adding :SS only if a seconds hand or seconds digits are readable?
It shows 11:02
